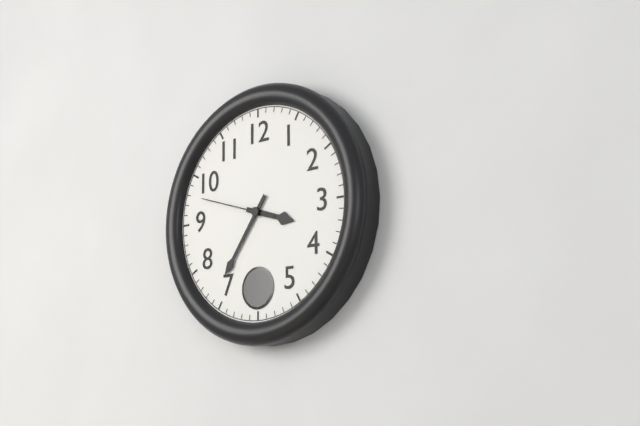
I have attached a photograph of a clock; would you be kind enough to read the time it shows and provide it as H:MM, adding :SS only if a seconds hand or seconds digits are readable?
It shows 3:36:48
